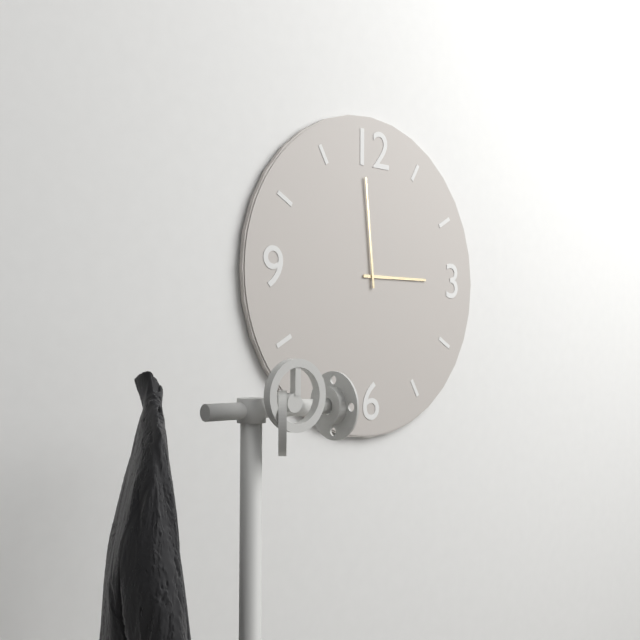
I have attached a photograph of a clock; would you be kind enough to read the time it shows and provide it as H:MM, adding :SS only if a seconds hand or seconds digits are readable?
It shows 2:59
